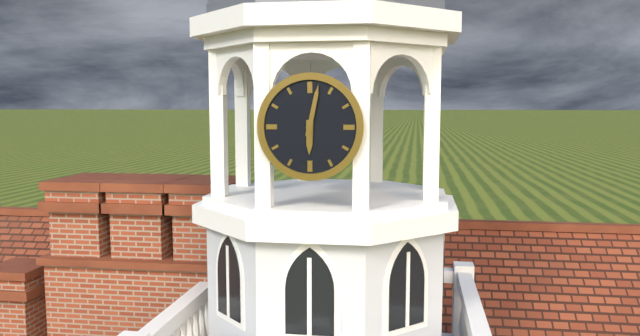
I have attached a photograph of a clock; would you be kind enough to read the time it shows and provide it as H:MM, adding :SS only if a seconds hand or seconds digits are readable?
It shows 6:02
